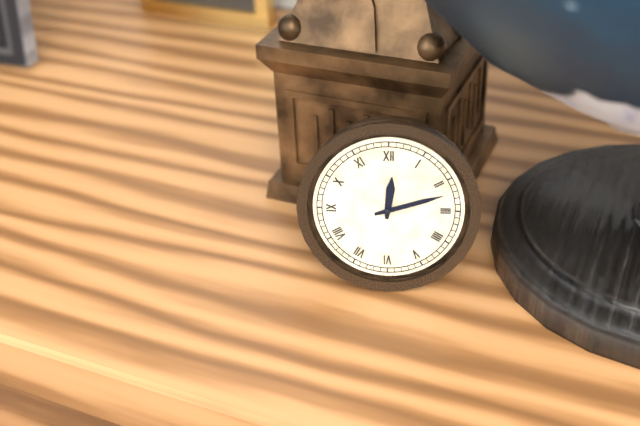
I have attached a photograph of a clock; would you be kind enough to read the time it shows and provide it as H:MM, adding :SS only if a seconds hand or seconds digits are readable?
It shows 12:12
